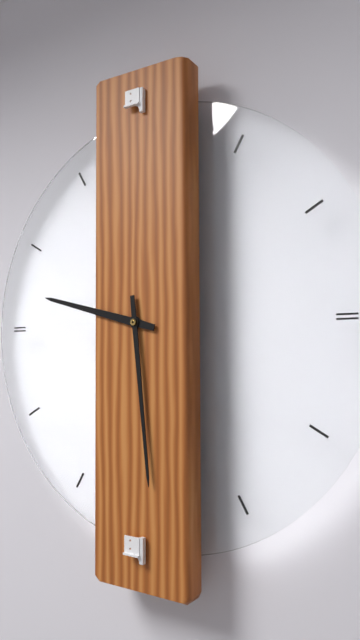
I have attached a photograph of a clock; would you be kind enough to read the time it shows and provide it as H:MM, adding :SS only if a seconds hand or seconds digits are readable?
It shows 9:29
